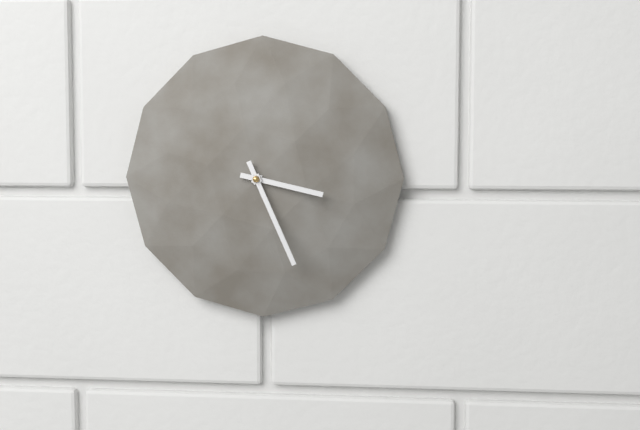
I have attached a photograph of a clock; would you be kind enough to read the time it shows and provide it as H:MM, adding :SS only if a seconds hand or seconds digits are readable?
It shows 3:26
